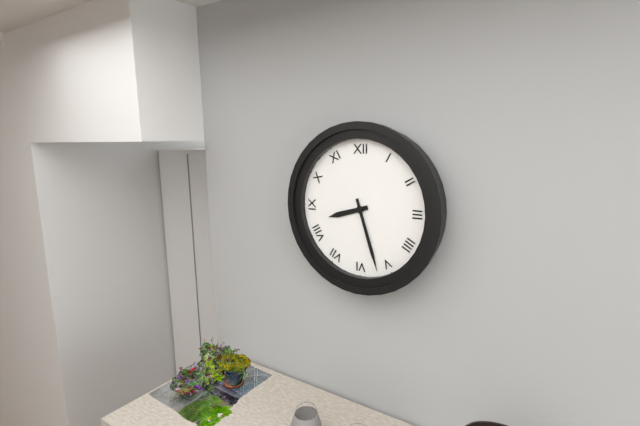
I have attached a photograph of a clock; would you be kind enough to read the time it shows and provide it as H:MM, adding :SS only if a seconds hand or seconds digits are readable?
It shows 8:27
